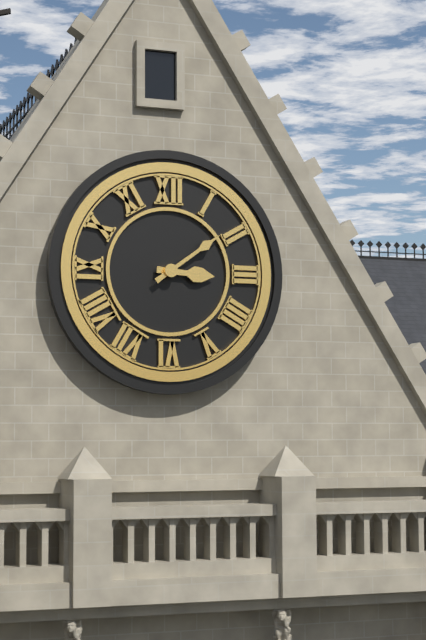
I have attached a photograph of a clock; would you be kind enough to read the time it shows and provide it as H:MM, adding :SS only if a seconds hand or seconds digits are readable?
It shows 3:09
